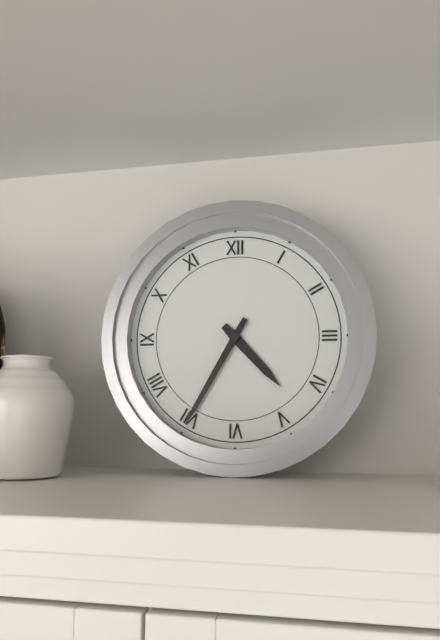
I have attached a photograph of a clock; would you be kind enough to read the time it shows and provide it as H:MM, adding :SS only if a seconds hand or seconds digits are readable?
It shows 4:35
